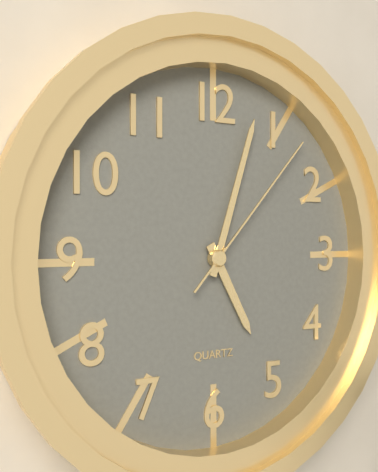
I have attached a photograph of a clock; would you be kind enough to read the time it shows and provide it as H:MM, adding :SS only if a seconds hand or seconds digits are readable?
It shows 5:03:07
